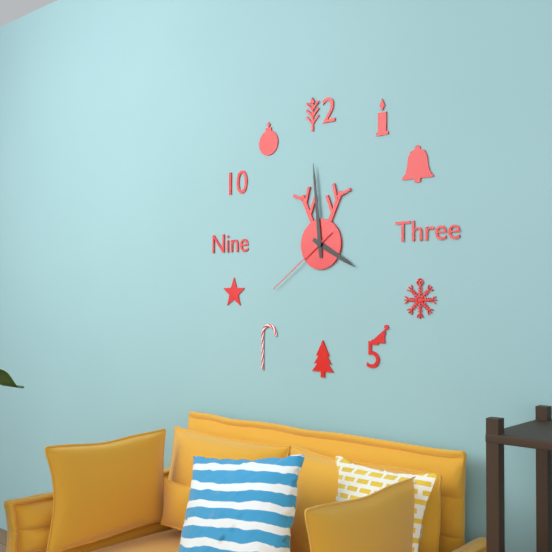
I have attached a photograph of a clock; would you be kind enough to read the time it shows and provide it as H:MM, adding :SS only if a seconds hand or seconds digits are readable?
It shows 3:59:39
